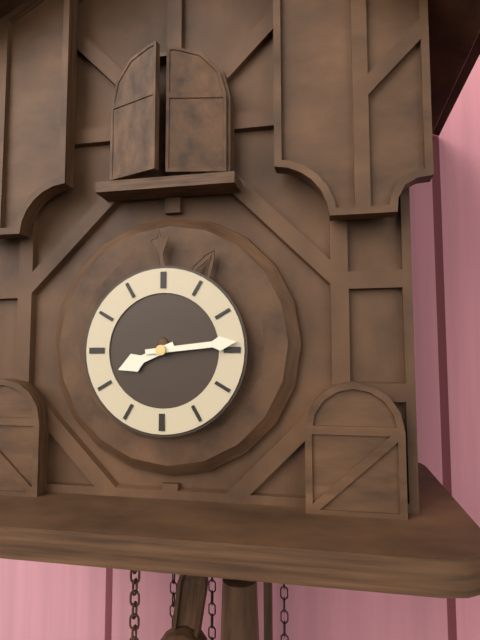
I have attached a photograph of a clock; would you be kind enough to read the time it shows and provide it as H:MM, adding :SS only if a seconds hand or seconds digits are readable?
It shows 8:14
